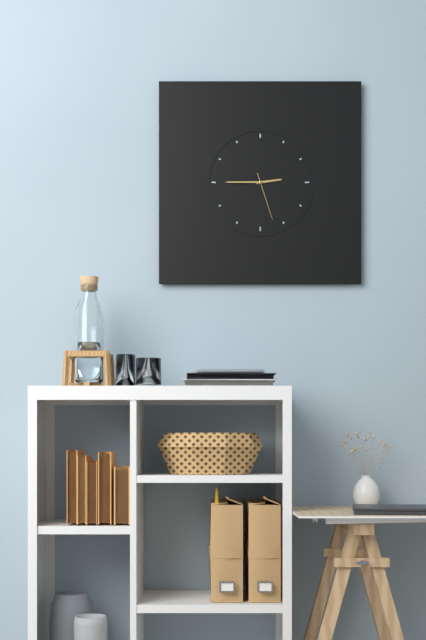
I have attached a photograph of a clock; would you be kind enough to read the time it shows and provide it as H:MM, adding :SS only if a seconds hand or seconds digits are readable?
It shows 2:45:27
